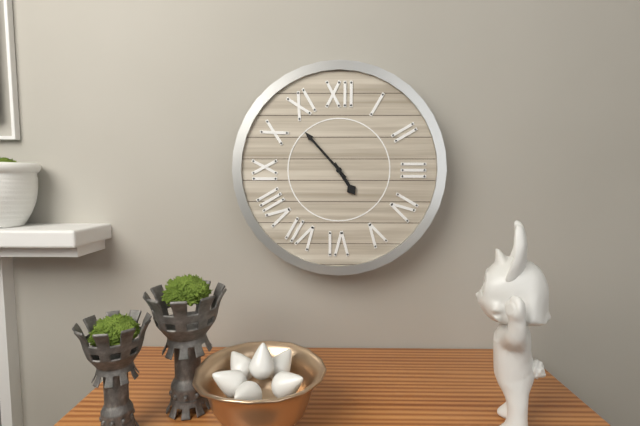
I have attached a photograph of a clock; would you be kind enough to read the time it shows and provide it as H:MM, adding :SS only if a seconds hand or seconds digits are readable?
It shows 4:53
